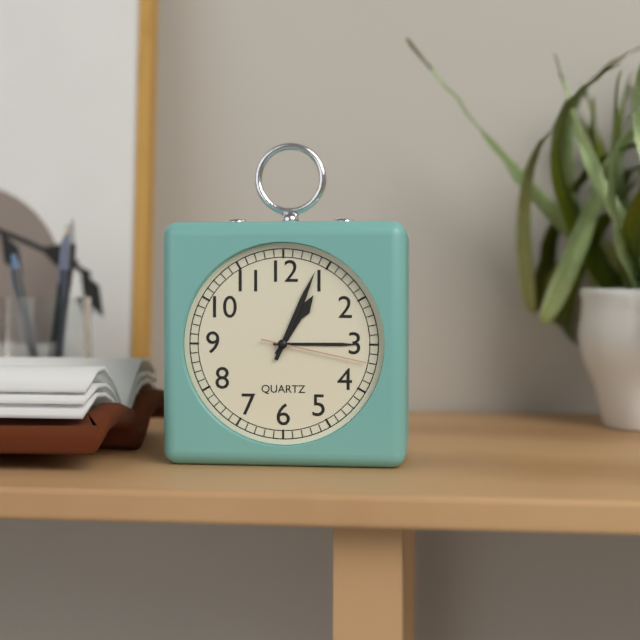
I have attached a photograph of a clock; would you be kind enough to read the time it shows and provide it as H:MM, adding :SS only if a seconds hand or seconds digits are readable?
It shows 1:04:17
